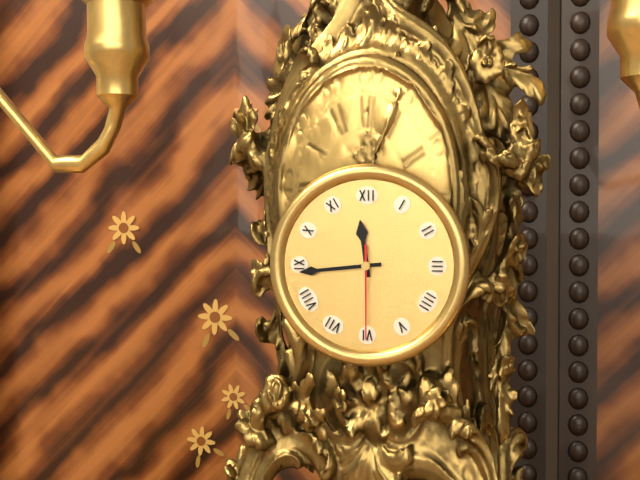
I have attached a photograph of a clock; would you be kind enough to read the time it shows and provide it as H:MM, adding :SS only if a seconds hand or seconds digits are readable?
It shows 11:44:30
